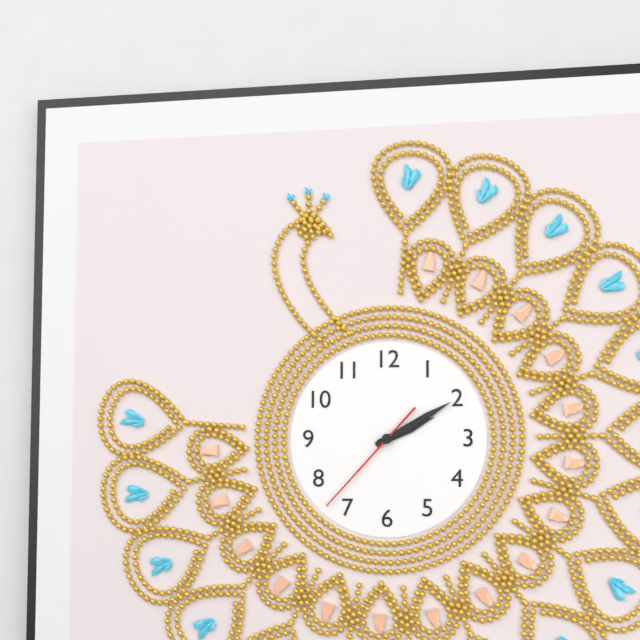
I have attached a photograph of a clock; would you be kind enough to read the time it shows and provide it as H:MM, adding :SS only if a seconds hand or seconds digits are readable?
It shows 2:10:37
